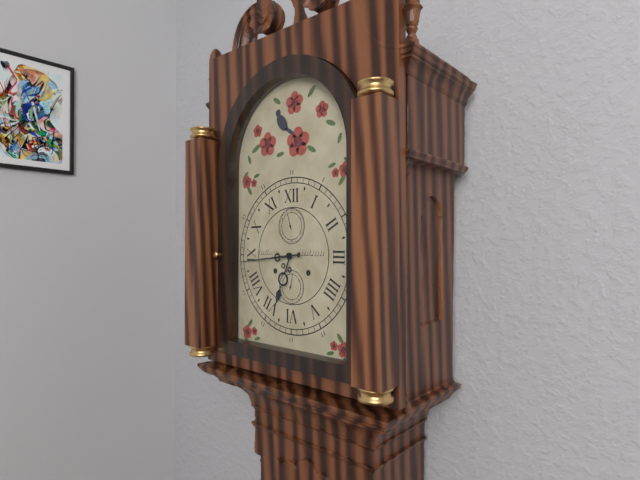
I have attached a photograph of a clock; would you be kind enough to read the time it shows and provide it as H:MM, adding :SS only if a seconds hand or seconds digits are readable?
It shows 6:44
